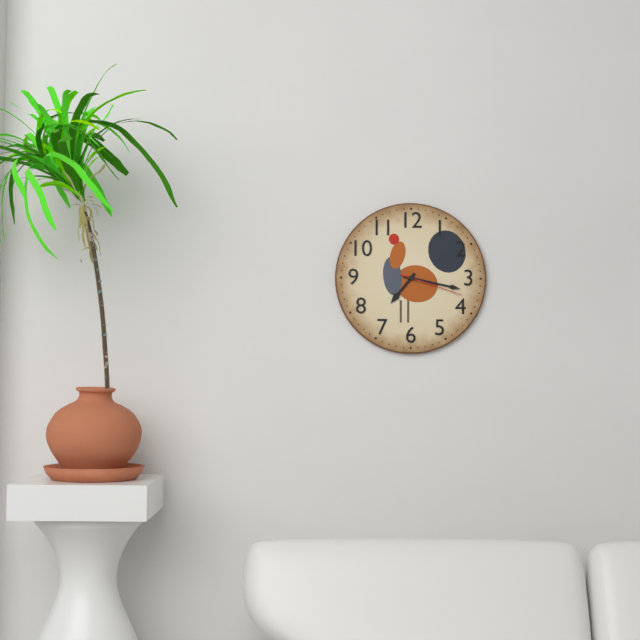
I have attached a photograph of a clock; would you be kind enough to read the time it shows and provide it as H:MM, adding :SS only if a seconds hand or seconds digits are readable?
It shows 7:17:18
